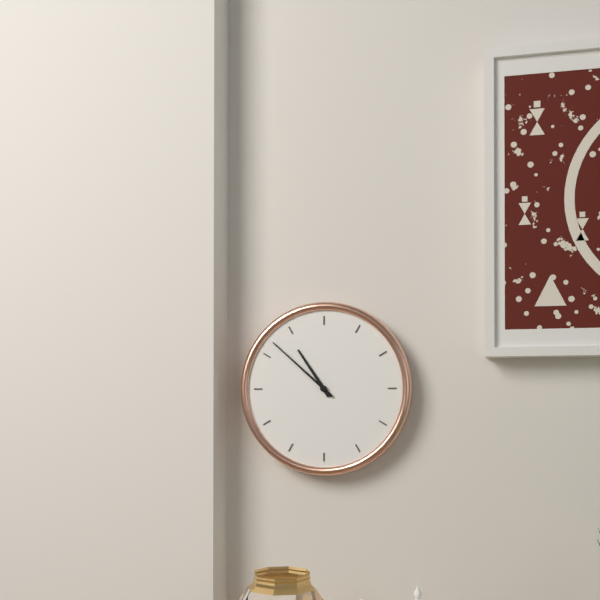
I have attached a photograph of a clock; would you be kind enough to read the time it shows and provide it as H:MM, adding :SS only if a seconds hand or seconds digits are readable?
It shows 10:52
